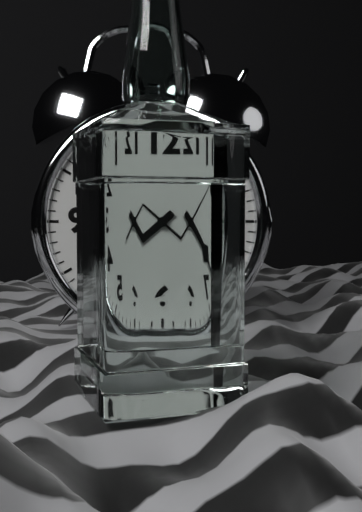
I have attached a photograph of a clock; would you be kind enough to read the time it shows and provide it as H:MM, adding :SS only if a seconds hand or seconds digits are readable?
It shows 7:38:52
